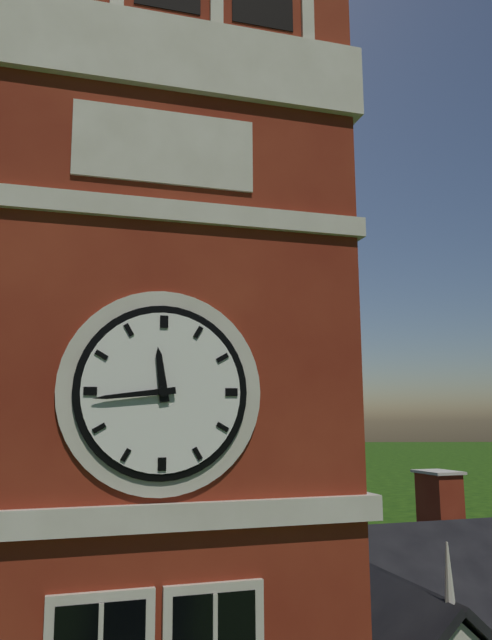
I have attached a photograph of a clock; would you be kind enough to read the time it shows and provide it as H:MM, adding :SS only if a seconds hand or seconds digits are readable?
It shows 11:44
